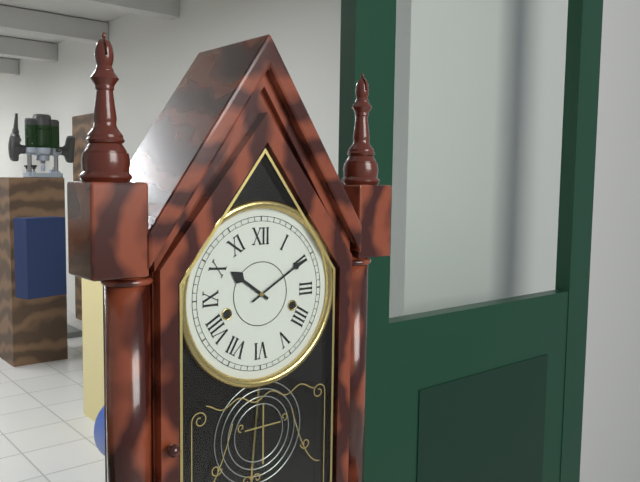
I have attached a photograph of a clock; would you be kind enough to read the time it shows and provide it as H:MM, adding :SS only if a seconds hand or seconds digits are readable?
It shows 10:10
